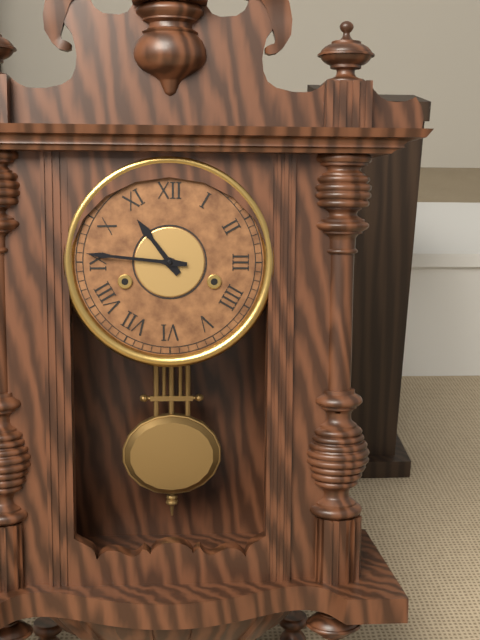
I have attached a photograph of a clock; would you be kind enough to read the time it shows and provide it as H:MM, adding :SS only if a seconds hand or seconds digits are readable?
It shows 10:46
